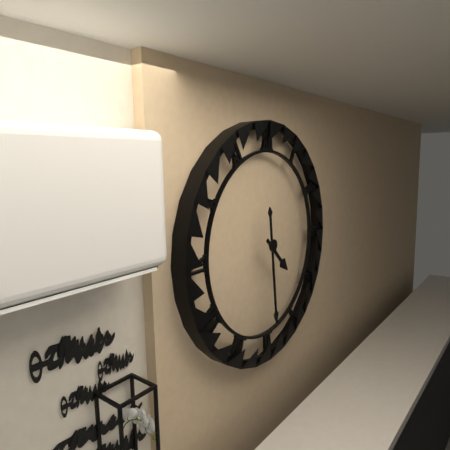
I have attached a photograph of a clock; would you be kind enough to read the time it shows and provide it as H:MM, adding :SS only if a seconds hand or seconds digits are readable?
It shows 4:29
